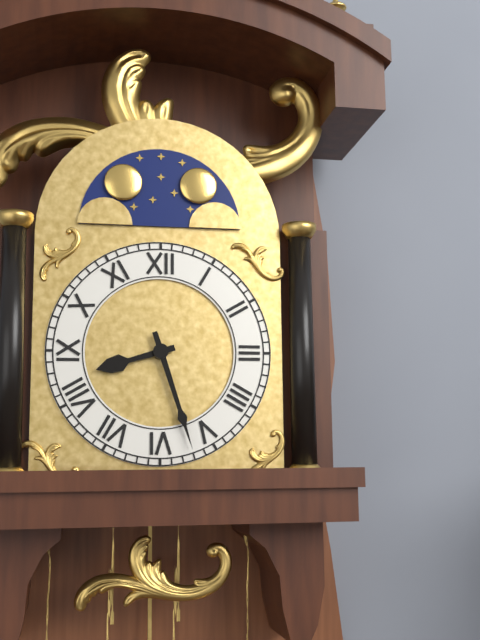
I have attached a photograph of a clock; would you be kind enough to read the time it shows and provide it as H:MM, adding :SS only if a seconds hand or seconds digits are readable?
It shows 8:27
